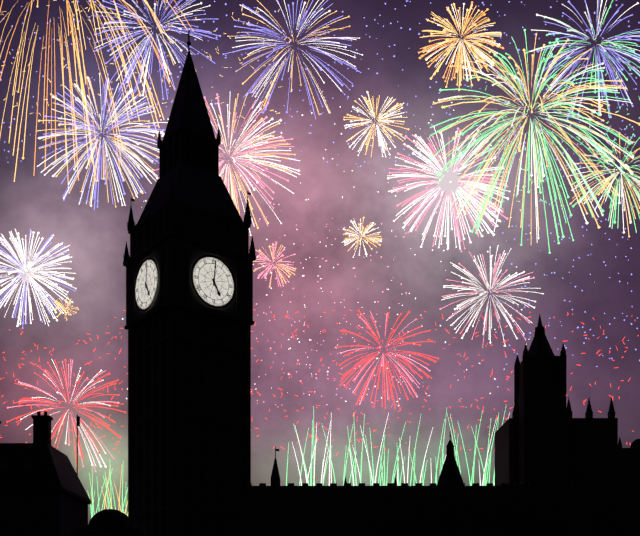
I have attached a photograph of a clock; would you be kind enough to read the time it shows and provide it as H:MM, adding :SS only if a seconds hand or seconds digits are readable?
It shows 5:01
